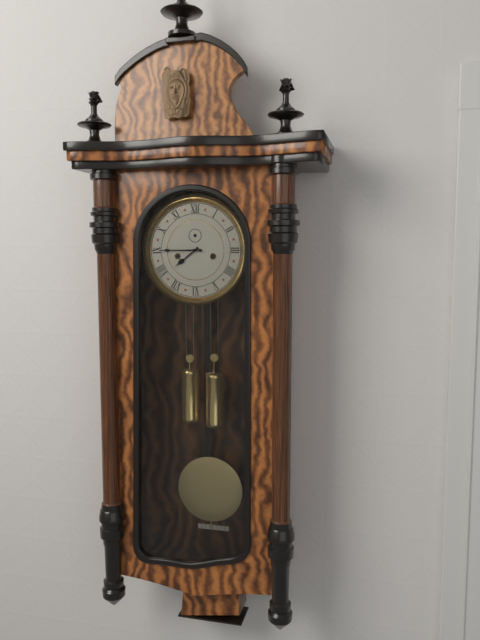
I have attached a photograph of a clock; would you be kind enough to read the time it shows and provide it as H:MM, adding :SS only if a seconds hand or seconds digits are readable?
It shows 7:45
